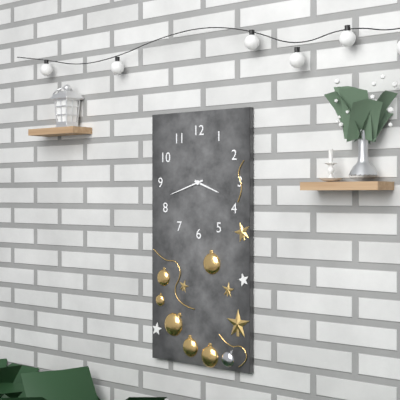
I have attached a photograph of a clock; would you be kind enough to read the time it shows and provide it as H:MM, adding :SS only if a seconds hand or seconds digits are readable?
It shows 3:42
